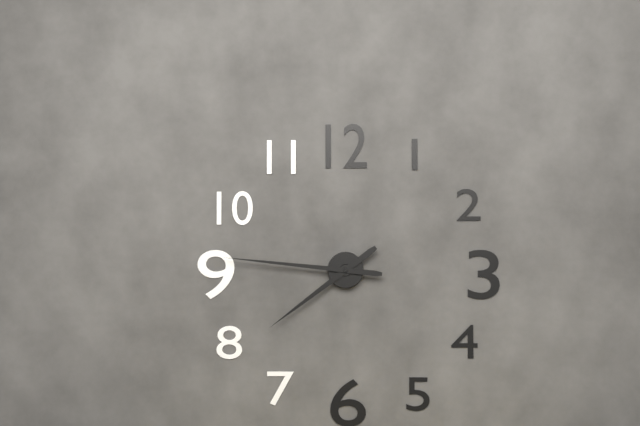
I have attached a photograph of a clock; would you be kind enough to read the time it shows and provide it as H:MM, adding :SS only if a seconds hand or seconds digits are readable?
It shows 7:46
